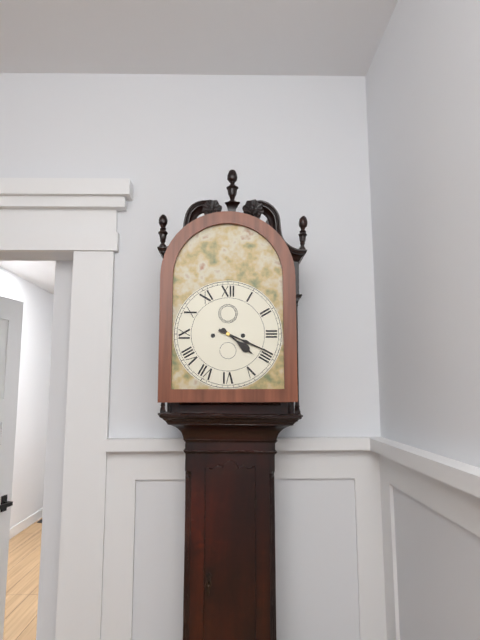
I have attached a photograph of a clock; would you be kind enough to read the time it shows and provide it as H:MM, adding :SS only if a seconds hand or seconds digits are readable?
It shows 4:19
